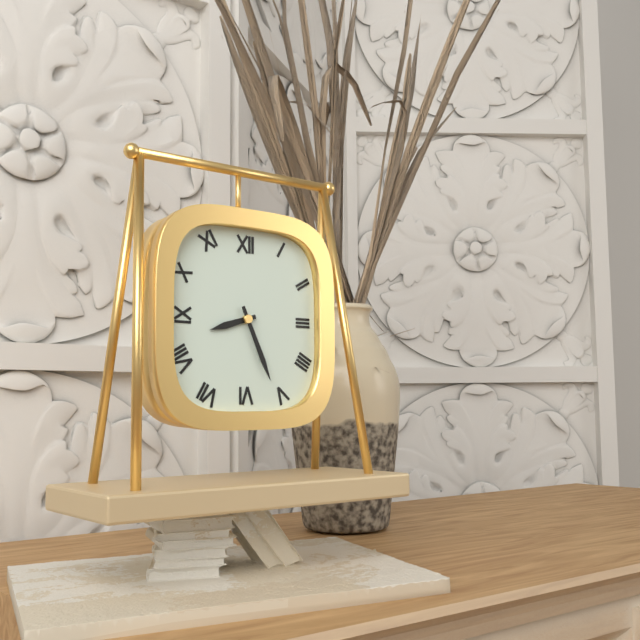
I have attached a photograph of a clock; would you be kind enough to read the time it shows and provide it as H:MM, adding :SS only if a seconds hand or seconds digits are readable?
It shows 8:26
